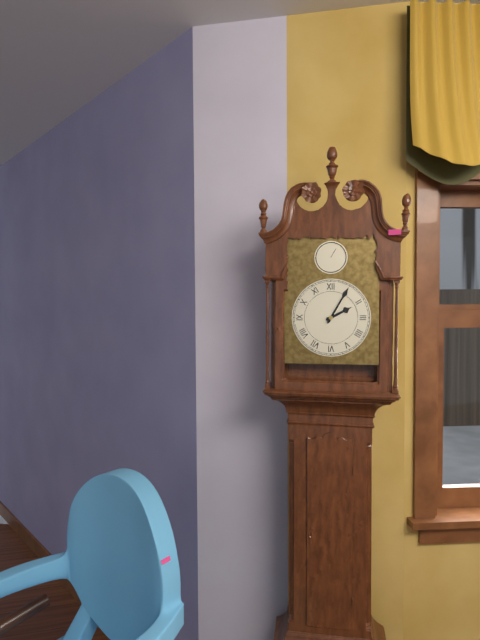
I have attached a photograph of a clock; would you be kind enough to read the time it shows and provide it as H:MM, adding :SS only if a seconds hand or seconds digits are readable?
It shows 2:05
